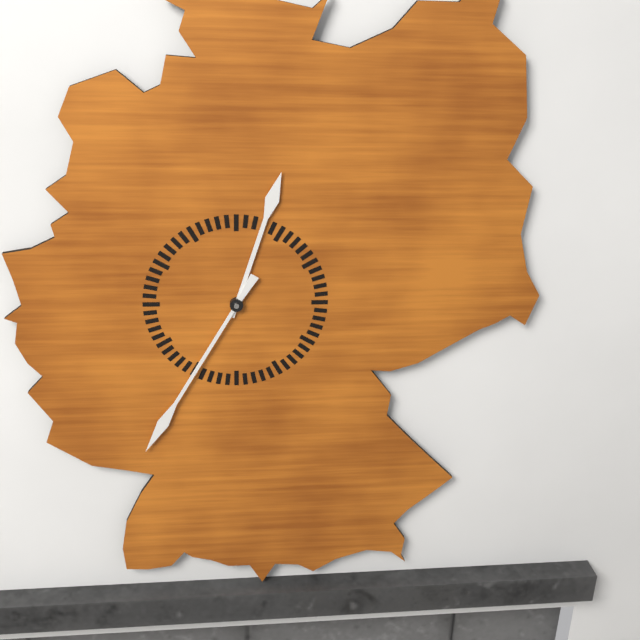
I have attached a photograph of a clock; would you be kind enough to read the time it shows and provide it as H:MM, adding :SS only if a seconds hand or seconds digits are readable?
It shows 12:35
